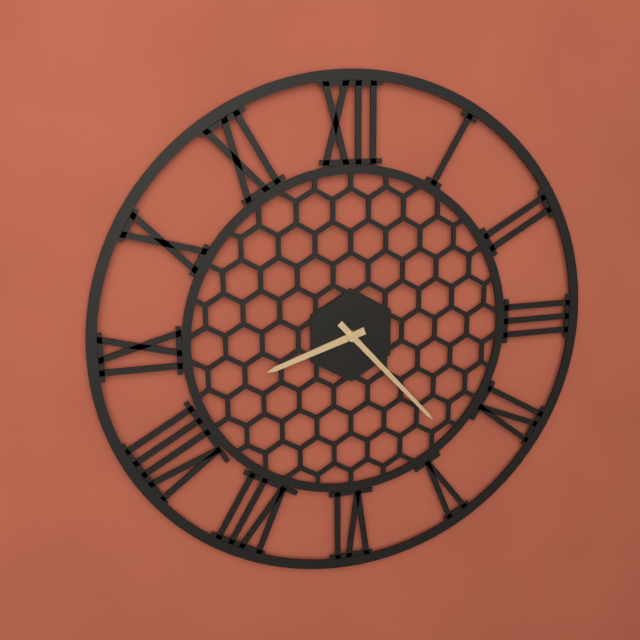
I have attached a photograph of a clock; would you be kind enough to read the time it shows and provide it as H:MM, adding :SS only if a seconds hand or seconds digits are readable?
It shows 8:23
